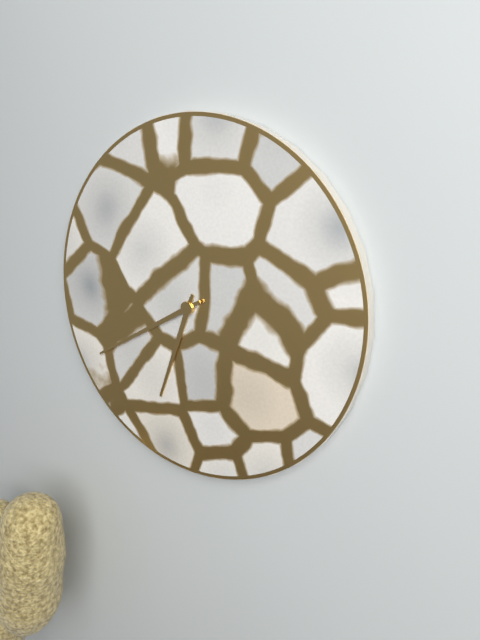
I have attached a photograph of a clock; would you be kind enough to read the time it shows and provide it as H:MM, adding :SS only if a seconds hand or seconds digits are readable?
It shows 6:40
